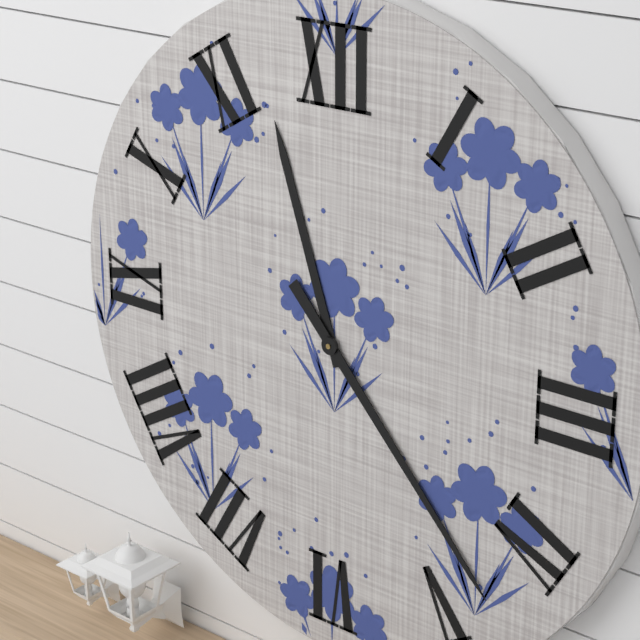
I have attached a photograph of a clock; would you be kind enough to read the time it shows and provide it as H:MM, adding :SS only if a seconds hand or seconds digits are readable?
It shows 11:23
